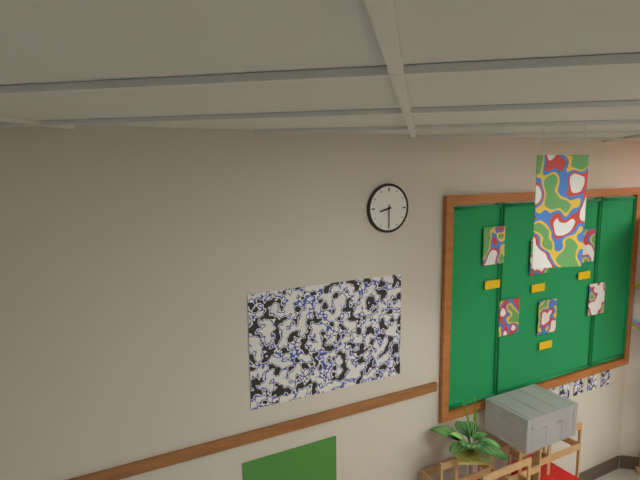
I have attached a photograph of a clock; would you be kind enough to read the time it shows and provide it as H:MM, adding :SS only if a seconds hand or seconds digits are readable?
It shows 8:30
